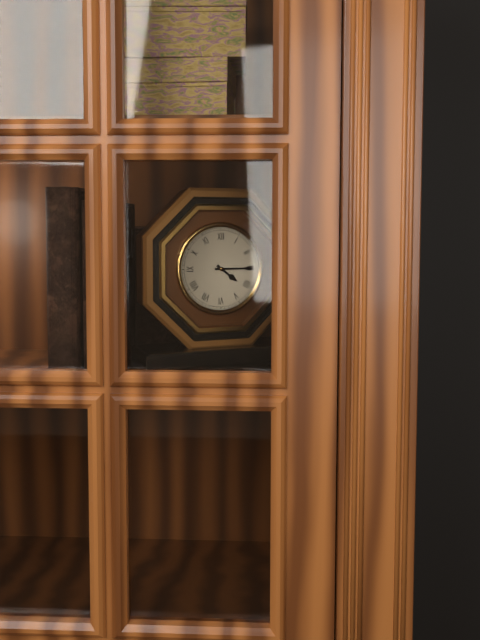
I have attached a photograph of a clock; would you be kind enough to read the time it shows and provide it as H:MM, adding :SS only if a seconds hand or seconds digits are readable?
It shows 4:15
